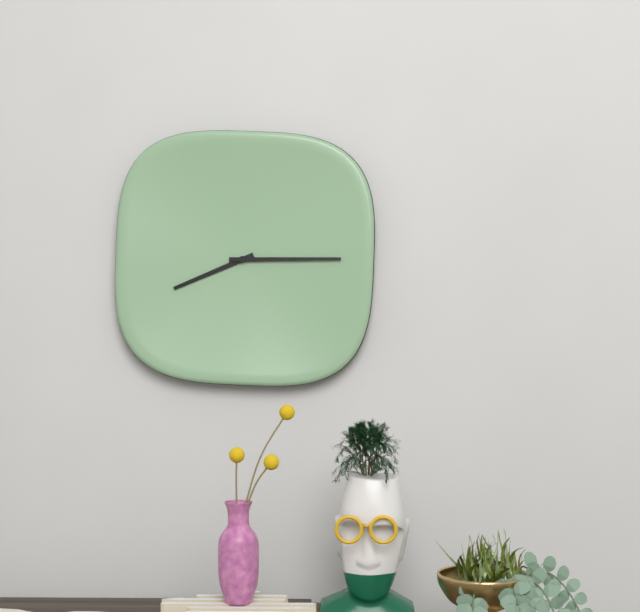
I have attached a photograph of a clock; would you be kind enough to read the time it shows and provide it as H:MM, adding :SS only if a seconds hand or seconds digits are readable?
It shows 8:15
